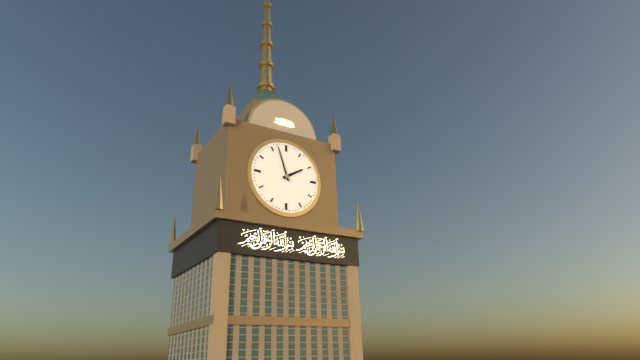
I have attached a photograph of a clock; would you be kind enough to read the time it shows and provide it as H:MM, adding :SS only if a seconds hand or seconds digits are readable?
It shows 1:57
